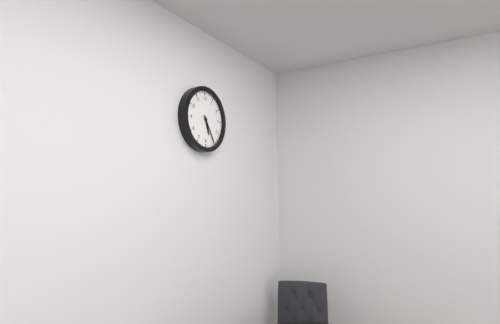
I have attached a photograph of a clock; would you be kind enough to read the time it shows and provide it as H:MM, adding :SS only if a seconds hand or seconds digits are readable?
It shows 5:25
